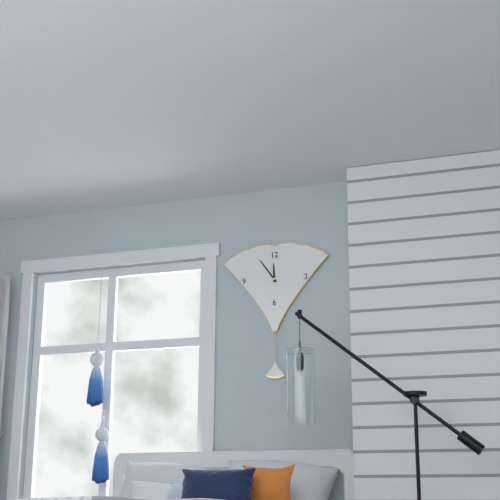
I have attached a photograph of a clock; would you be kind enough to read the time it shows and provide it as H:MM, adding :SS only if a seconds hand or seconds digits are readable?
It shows 11:54
